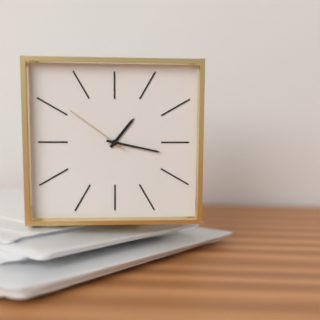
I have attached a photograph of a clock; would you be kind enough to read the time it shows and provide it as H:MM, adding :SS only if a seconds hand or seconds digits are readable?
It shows 1:17:51
